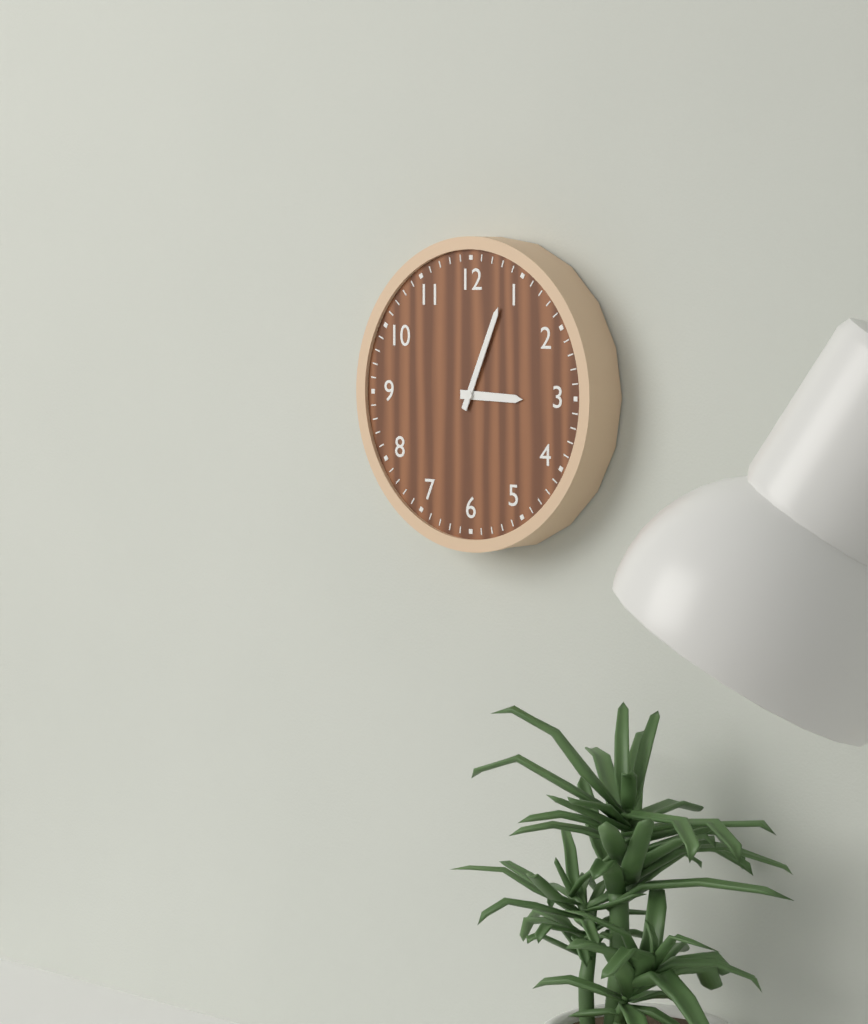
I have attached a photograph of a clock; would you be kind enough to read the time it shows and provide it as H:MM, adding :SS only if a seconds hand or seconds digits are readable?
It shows 3:04
